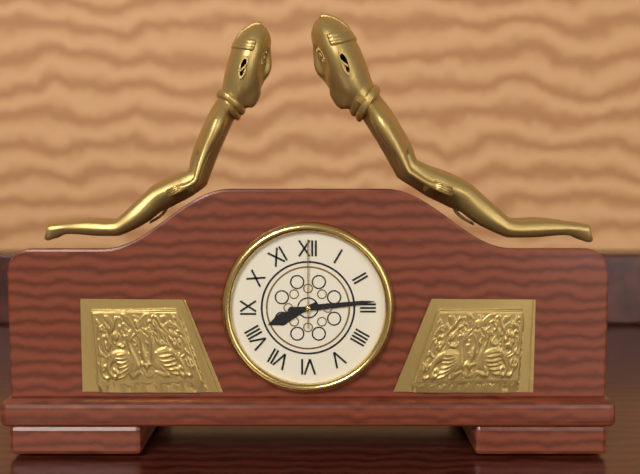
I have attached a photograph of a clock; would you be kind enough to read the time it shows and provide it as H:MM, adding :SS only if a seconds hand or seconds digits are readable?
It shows 8:14:00
